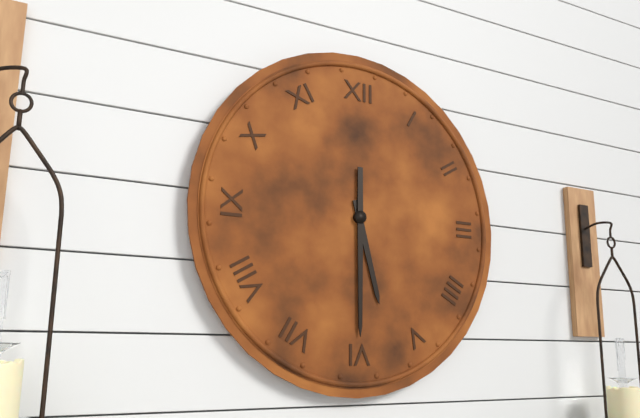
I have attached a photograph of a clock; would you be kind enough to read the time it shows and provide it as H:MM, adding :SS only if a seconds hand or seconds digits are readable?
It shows 5:30
